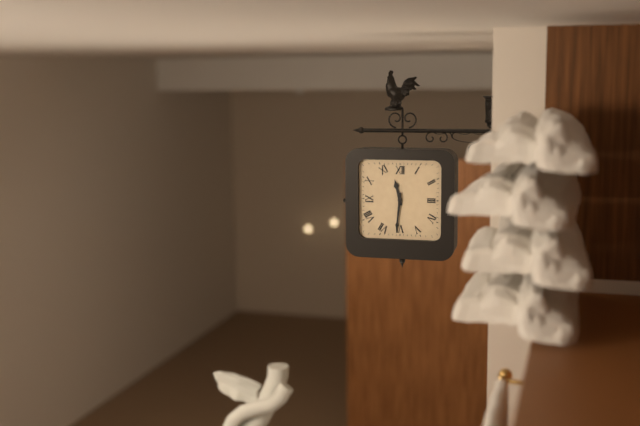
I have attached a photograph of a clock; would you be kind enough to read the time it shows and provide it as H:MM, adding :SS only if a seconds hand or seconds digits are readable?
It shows 11:31
